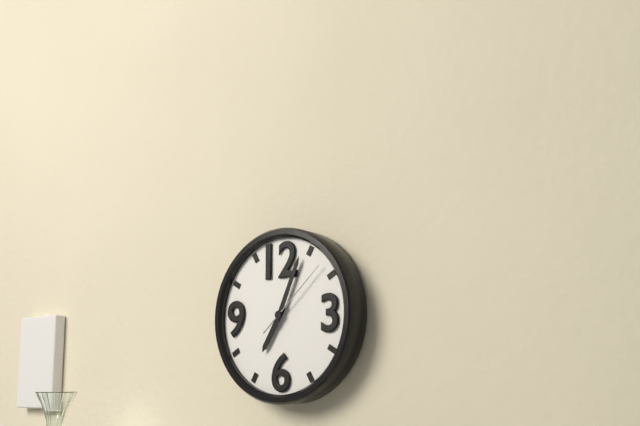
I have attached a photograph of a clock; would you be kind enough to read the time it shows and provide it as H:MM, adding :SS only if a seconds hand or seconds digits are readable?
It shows 7:04:08
